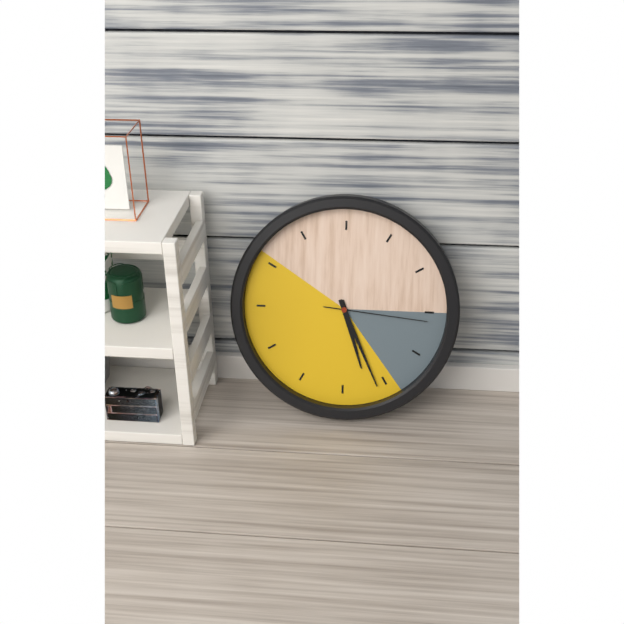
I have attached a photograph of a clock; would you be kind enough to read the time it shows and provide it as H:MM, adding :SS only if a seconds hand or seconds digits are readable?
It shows 5:26:16
